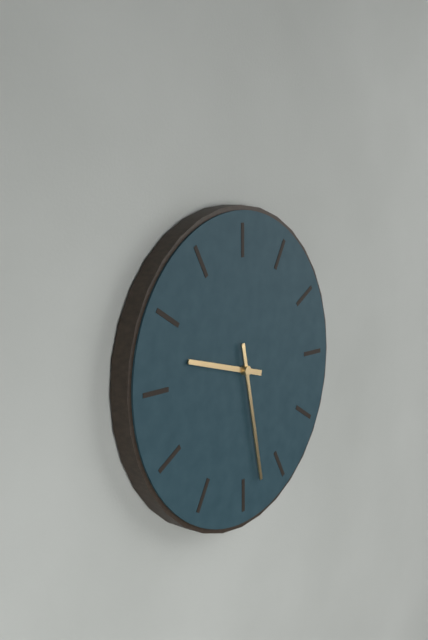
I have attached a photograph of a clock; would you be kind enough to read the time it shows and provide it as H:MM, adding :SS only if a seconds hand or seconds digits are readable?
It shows 9:28
